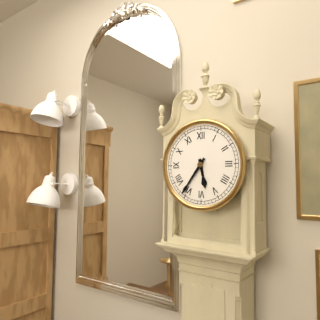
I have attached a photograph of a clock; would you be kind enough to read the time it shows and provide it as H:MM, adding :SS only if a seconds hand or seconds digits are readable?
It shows 5:36
